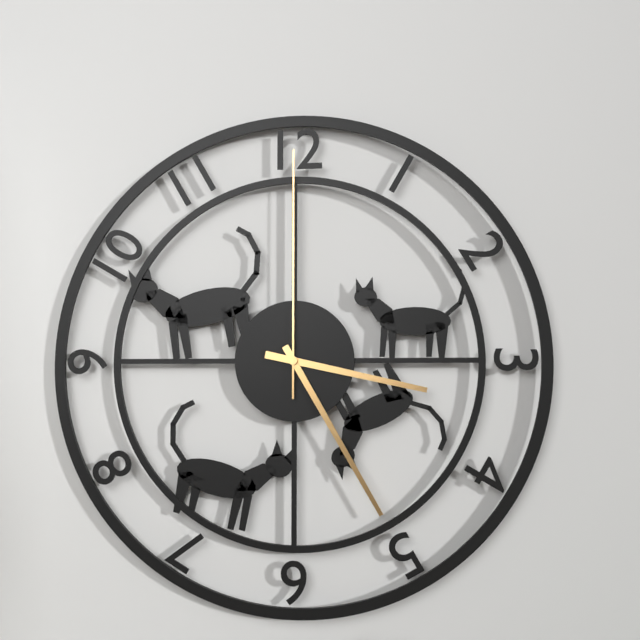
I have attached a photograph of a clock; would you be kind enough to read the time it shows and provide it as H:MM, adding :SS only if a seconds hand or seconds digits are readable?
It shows 3:25:00
